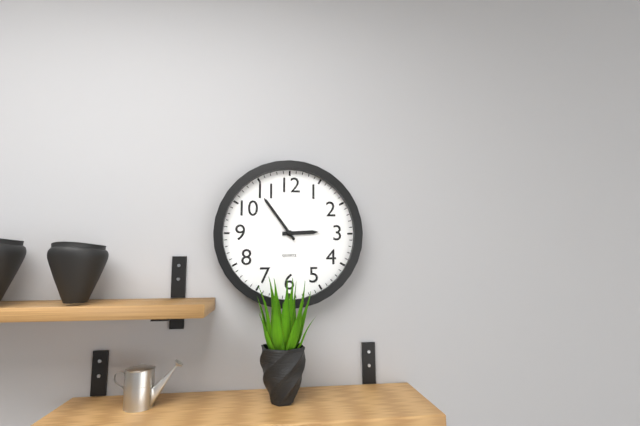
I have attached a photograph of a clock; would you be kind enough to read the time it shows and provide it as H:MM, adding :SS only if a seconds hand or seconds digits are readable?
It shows 2:54
